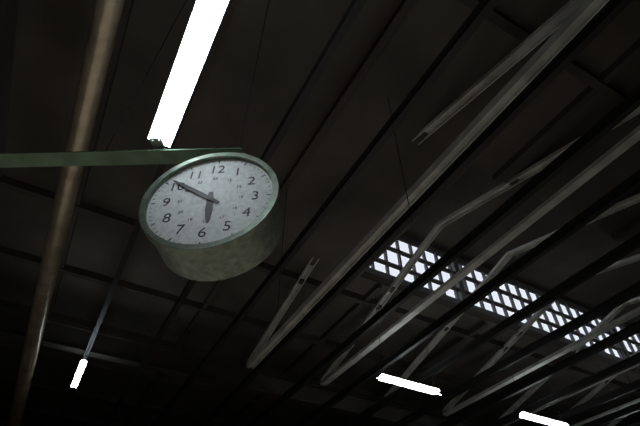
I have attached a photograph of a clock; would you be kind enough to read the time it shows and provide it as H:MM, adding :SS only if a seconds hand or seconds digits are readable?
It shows 5:51
